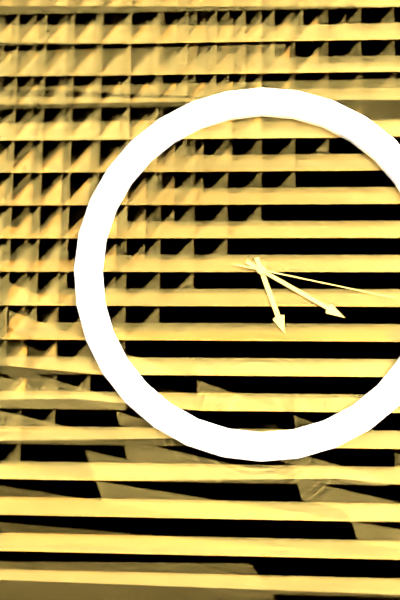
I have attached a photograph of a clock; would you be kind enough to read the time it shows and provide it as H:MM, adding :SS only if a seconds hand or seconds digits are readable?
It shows 5:20:17
